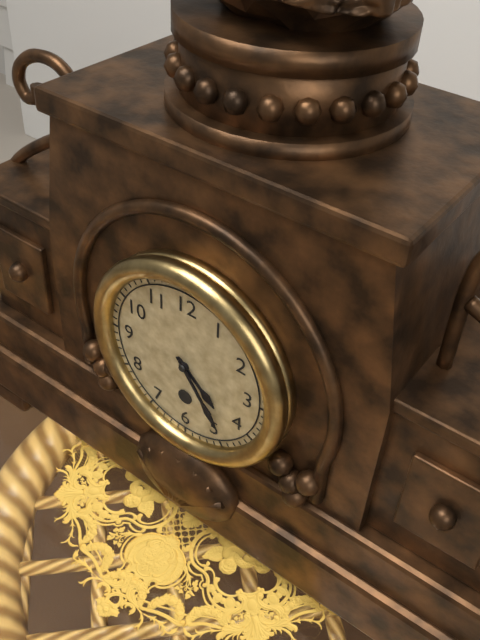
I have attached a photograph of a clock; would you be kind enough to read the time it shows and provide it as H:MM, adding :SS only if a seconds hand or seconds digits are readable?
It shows 4:24
